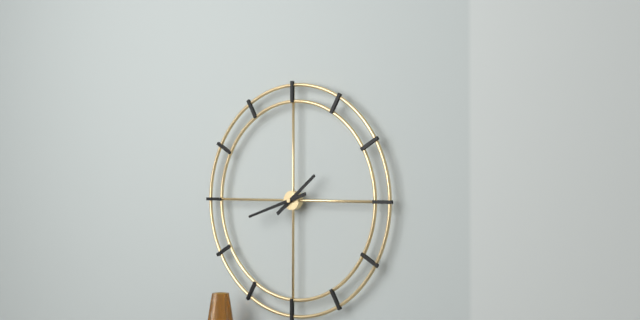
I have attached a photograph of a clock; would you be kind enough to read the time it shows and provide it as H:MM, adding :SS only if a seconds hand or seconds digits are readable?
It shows 1:42
